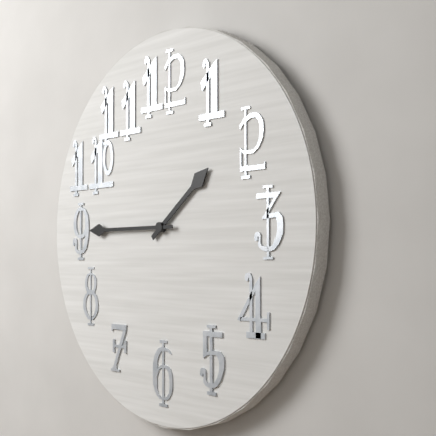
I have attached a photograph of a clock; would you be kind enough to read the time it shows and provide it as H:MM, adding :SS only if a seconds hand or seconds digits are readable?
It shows 1:45
